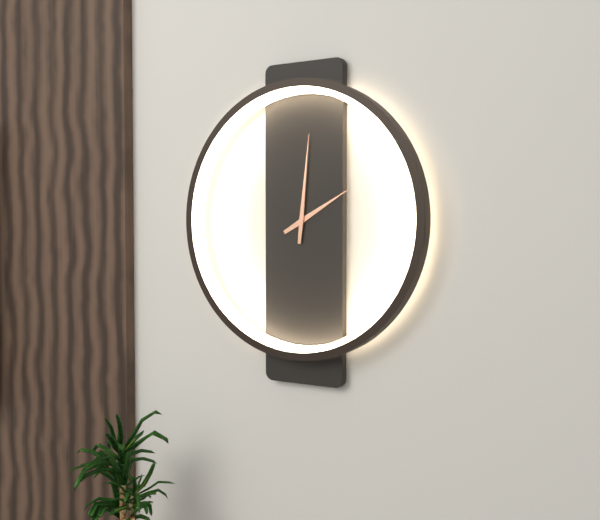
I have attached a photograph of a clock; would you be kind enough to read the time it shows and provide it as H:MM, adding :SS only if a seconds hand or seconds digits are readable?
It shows 2:01
